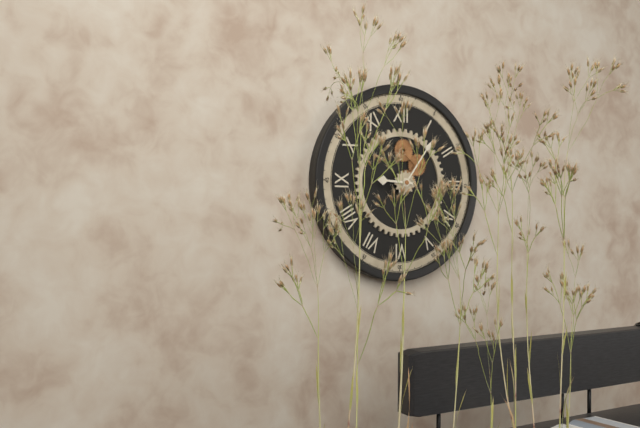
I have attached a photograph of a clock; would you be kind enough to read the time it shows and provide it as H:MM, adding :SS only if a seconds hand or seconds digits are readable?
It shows 9:06
